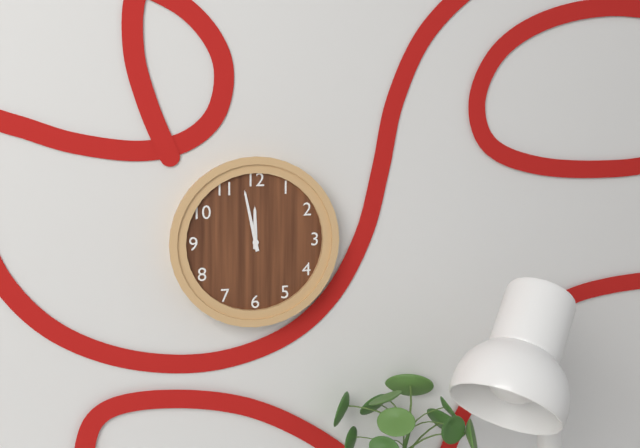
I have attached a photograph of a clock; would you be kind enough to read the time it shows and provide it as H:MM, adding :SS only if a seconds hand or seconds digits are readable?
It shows 11:58
